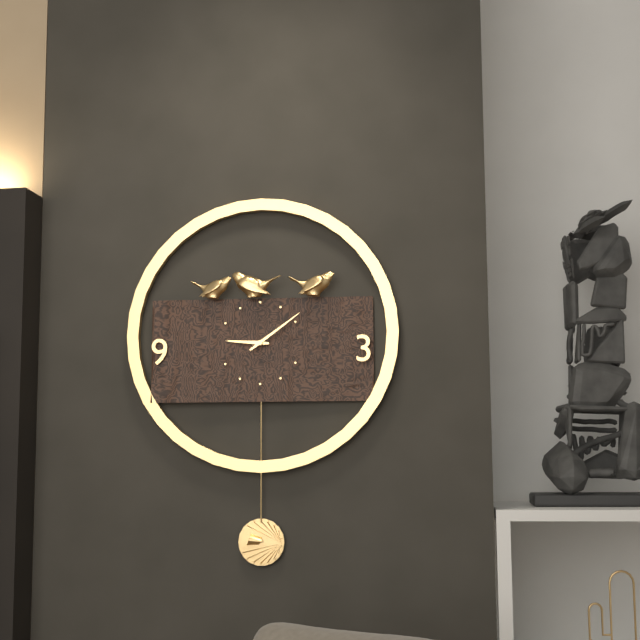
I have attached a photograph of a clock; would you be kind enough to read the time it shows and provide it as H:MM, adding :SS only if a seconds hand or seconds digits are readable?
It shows 9:09
